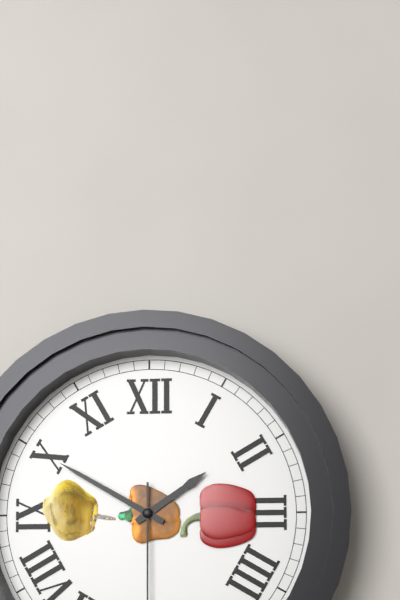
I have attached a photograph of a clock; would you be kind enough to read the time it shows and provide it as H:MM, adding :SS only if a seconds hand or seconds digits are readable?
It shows 1:50
